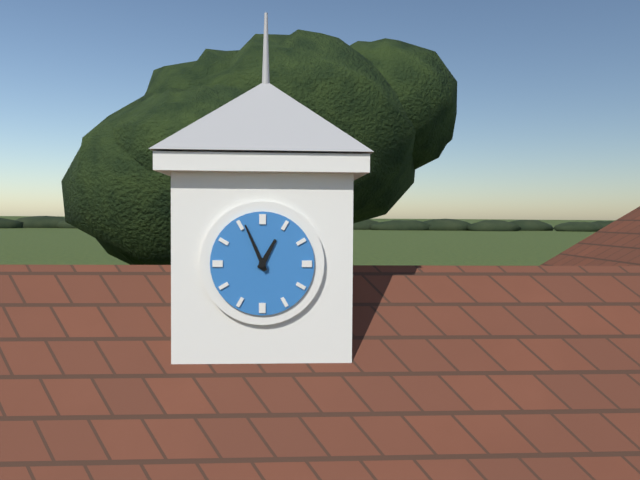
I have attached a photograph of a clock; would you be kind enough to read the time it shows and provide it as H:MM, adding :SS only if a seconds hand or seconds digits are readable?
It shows 12:56
